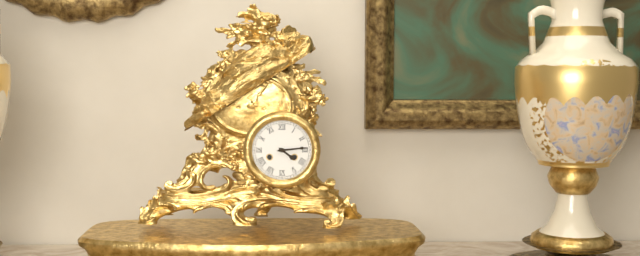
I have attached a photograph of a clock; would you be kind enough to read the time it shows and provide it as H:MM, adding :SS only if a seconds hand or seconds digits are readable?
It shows 4:14
